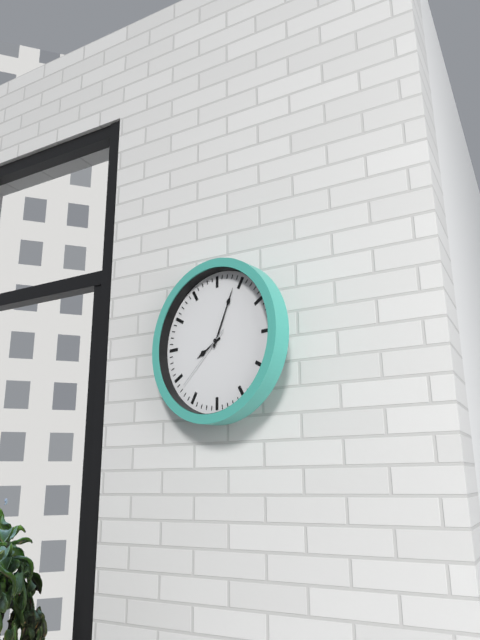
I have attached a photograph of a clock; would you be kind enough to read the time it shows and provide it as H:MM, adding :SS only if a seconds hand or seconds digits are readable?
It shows 8:04:38
